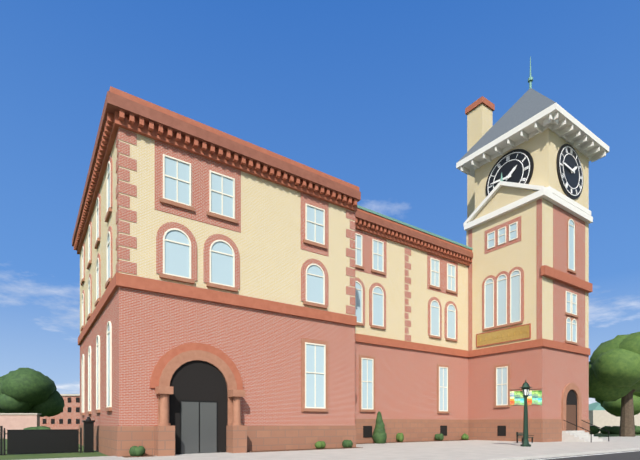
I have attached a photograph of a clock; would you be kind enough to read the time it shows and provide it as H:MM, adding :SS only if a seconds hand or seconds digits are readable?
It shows 1:46
